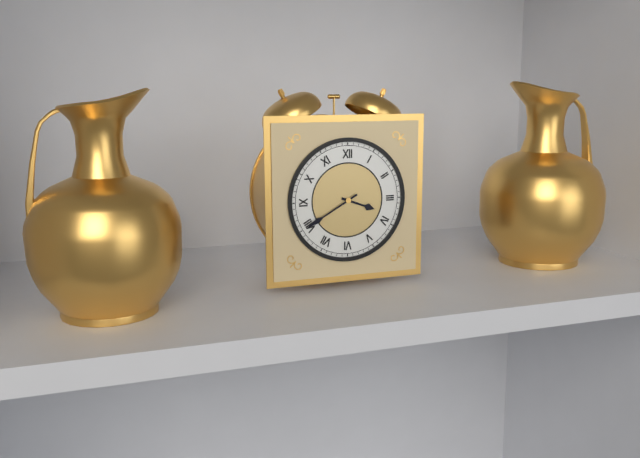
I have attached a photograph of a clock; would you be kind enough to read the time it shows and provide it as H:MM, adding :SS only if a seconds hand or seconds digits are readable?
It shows 3:40
